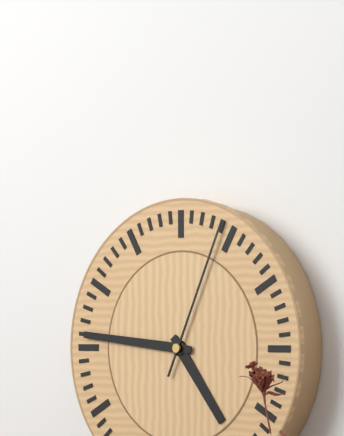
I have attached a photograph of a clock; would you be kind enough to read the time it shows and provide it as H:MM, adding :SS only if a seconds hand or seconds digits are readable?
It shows 4:46:04
